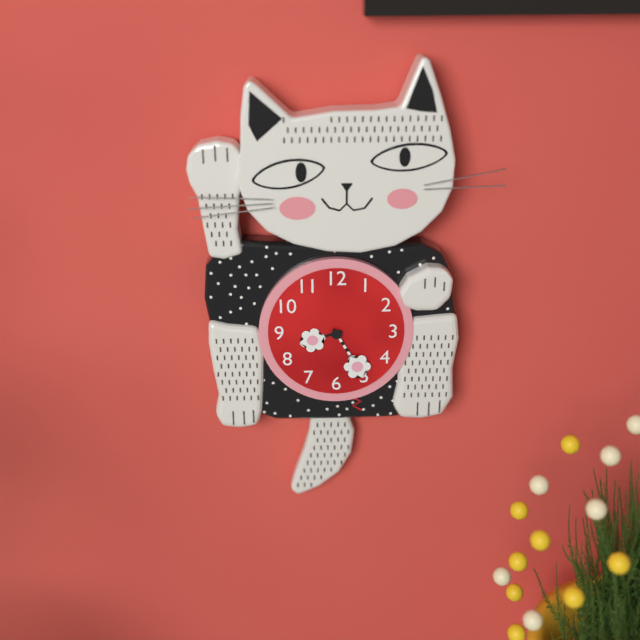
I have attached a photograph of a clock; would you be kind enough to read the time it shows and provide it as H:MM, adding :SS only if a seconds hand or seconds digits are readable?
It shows 8:25
